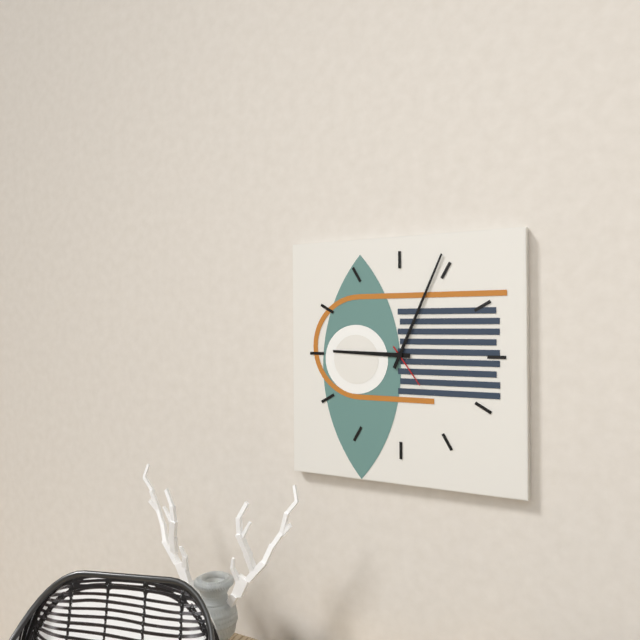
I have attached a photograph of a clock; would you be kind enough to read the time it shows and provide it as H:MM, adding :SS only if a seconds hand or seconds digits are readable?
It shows 9:04
